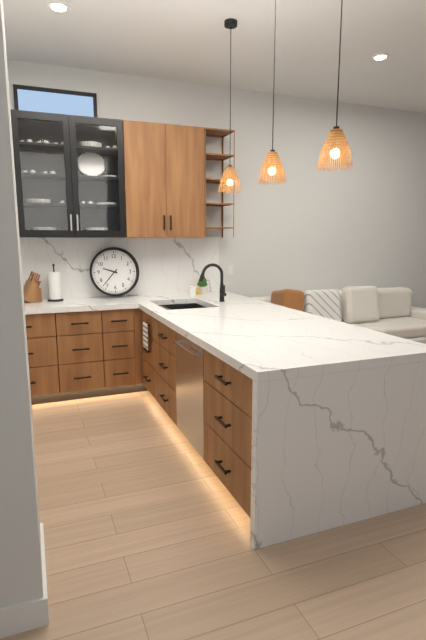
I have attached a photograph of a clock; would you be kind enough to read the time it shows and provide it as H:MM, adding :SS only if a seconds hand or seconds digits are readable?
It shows 9:37
